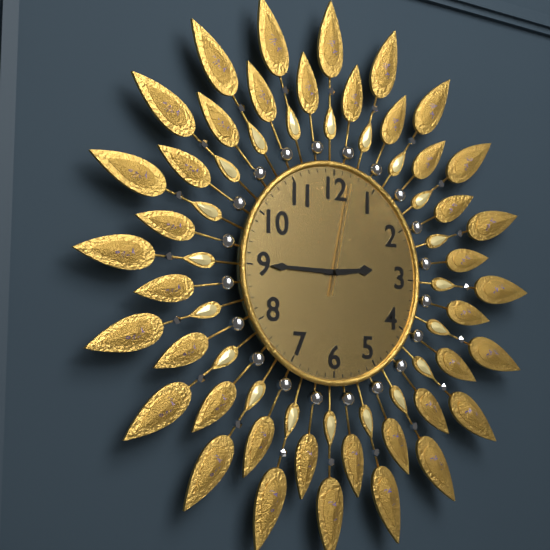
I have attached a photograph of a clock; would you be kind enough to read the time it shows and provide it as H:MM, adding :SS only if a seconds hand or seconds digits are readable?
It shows 2:45:02
